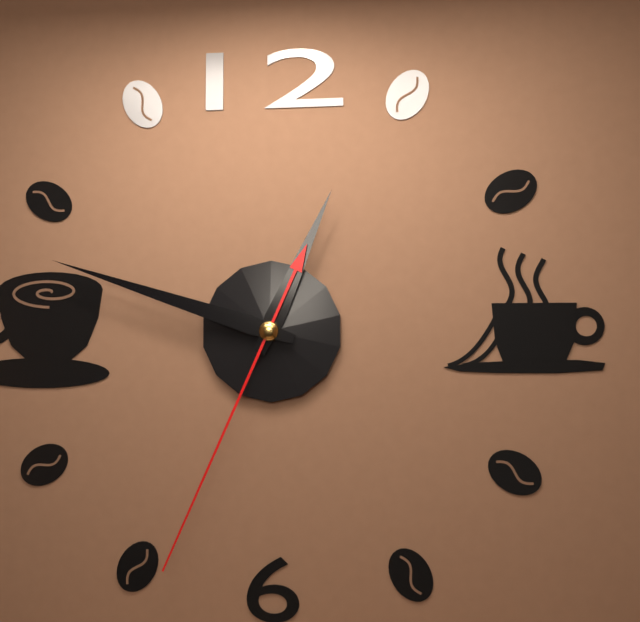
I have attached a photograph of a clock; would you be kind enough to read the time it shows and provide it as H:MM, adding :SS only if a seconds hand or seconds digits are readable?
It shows 12:48:34
